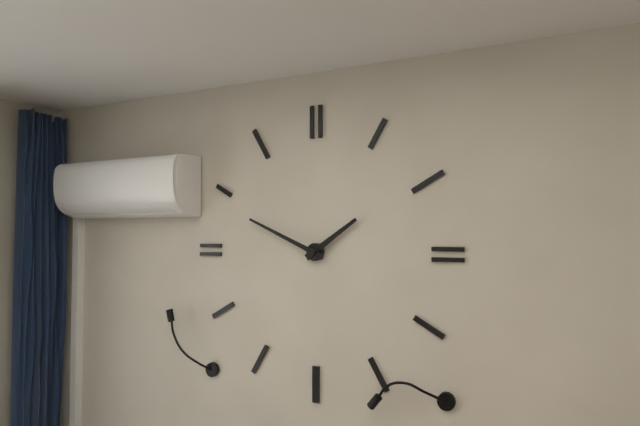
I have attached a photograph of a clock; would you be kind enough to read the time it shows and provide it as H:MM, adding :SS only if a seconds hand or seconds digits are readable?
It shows 1:49
